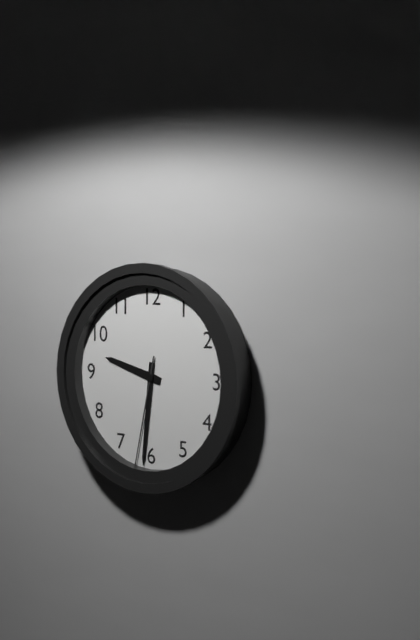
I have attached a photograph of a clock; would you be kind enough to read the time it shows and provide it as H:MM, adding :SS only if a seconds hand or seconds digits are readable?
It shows 9:31:32
